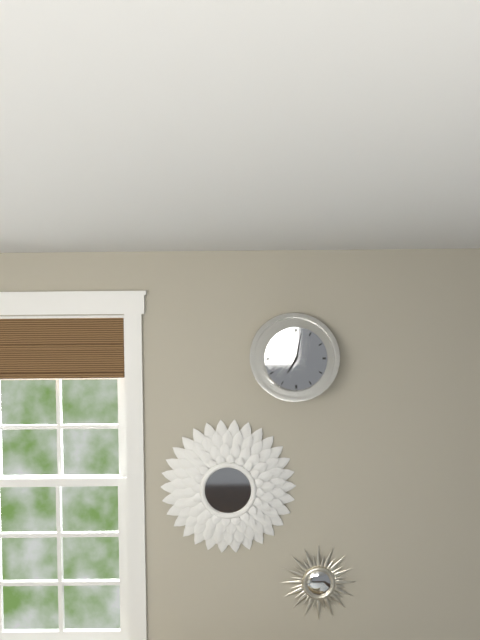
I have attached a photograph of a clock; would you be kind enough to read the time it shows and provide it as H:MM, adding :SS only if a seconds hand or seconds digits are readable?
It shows 7:02
